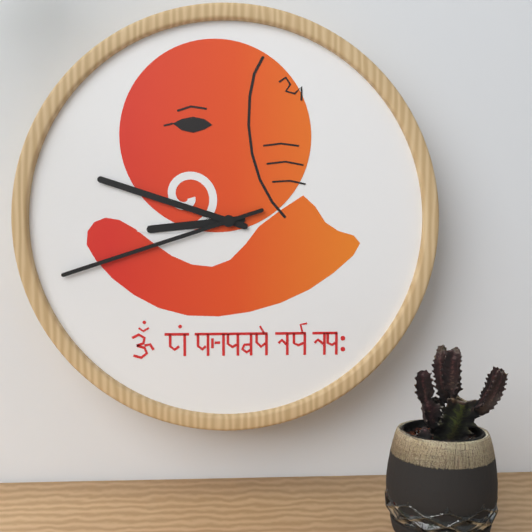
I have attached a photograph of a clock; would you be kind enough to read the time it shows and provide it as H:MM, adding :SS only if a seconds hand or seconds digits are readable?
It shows 8:48:42
